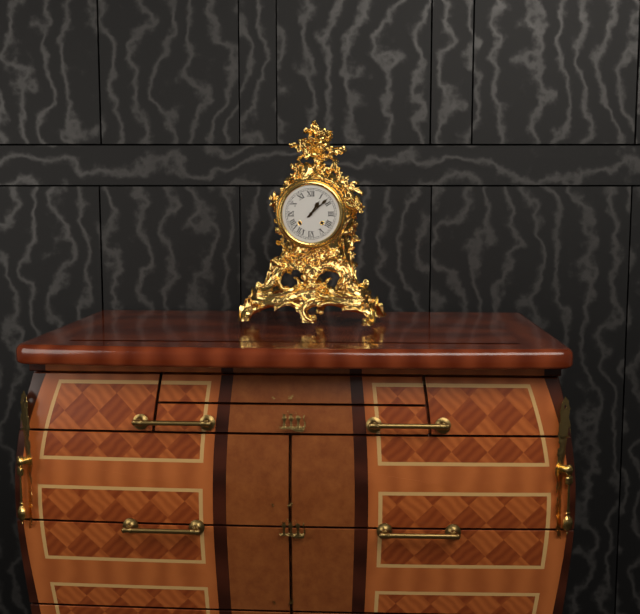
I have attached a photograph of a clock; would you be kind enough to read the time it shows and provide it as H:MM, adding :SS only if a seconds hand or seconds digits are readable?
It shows 1:08
